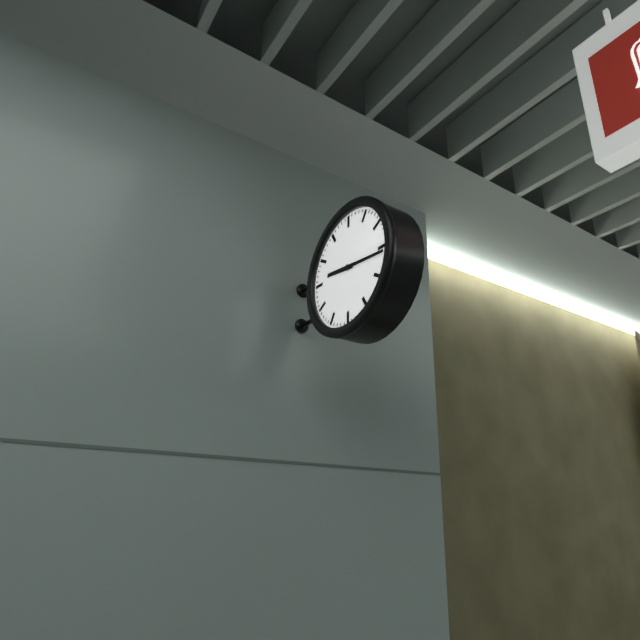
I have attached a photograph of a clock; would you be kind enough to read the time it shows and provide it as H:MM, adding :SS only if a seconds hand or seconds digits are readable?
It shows 9:16
